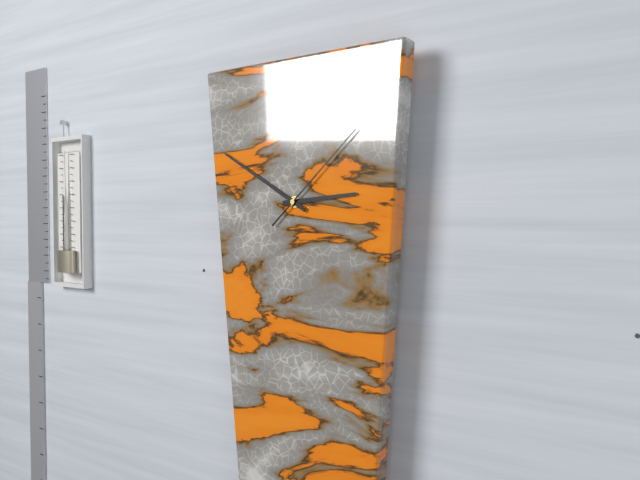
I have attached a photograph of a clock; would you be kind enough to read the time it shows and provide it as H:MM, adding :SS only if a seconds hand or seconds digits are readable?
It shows 2:50:08
